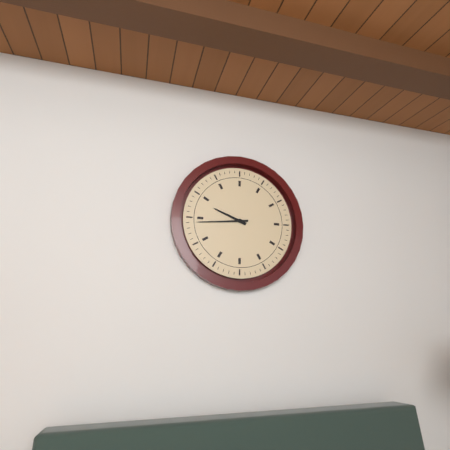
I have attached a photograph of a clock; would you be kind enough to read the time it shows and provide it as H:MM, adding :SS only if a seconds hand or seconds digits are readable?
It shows 9:44
